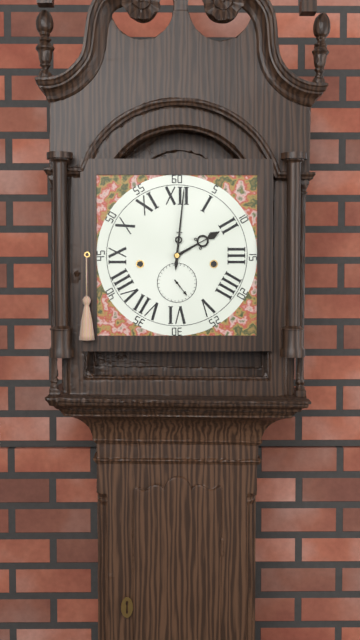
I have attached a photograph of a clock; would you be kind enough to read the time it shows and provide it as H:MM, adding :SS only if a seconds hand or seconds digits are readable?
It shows 2:01
